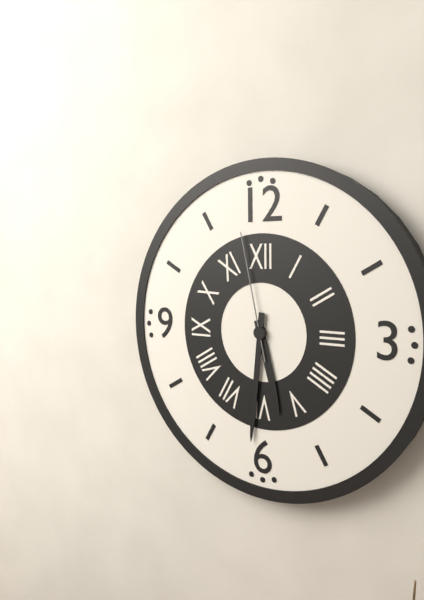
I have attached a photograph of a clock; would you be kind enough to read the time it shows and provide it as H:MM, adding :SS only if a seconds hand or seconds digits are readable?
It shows 5:31:58
